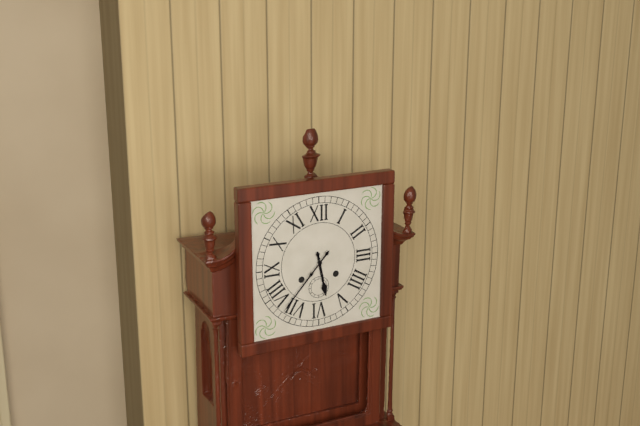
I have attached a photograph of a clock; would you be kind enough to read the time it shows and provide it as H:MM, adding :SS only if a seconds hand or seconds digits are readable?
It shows 5:37
